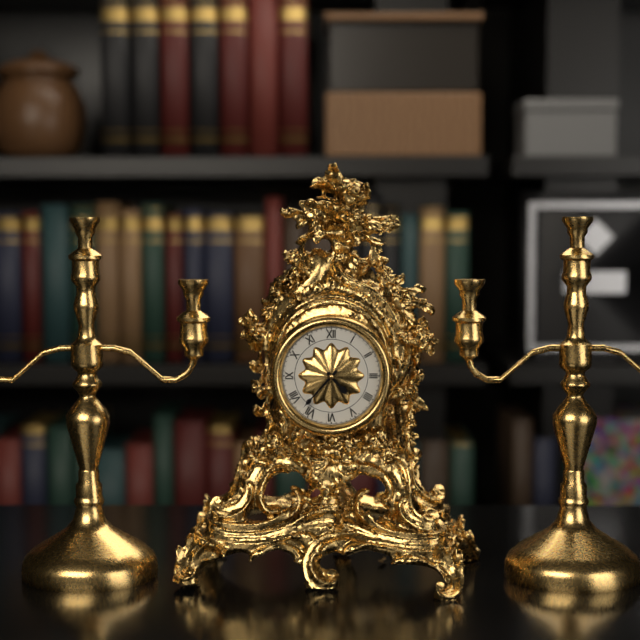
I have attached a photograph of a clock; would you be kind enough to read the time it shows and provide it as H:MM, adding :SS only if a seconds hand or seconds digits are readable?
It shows 4:37
